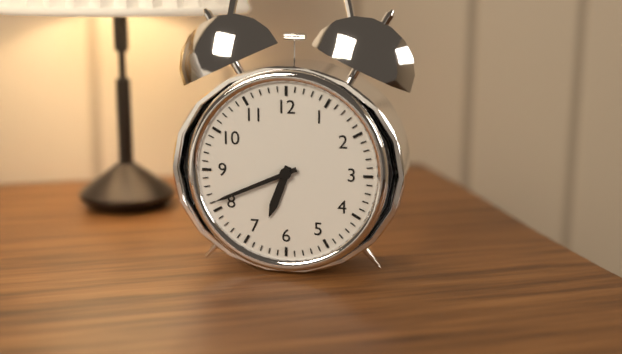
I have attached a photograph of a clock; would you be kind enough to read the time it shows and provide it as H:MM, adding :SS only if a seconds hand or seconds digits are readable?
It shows 6:41
